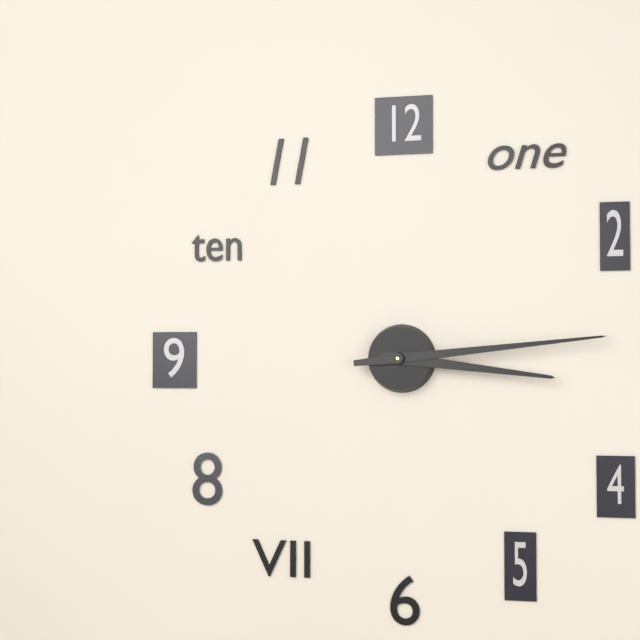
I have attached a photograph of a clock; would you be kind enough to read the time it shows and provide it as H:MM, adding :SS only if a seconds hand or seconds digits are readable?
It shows 3:14
